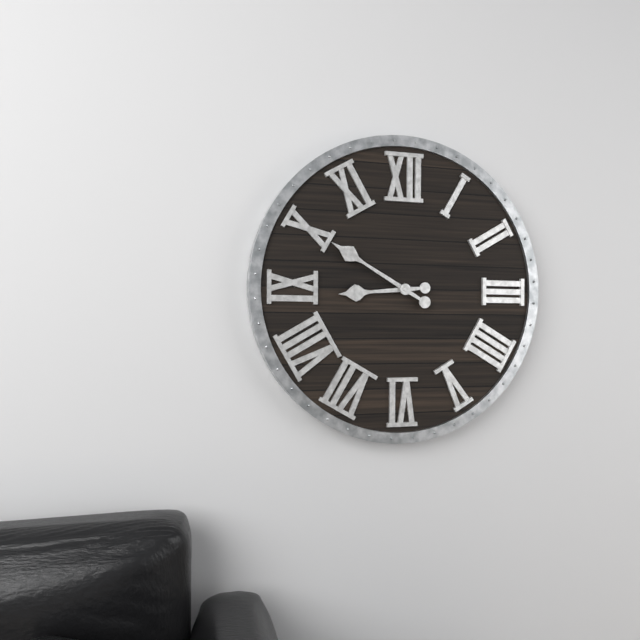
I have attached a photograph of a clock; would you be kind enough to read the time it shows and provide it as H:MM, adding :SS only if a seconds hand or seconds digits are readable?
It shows 8:50
